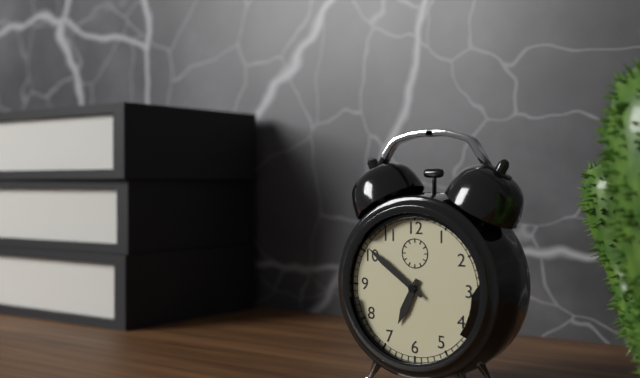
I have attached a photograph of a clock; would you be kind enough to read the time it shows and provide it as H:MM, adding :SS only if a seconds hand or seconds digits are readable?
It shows 6:51
